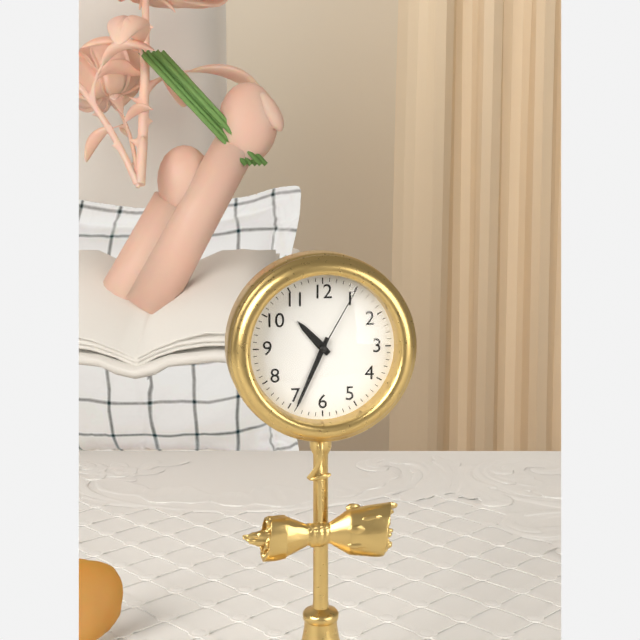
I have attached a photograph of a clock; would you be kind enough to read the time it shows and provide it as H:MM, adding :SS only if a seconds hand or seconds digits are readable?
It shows 10:34:05
